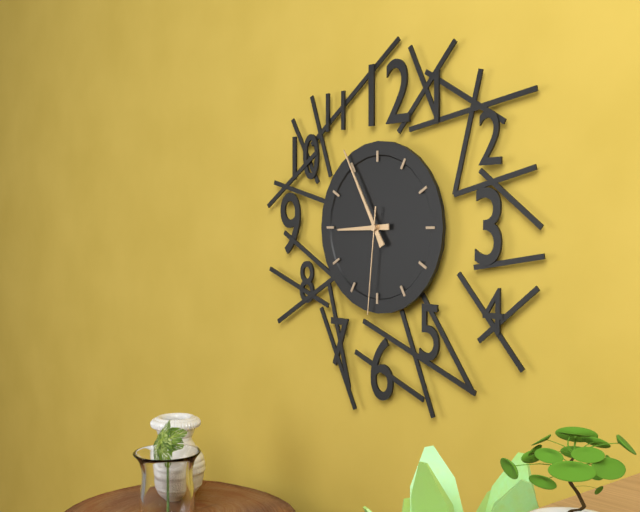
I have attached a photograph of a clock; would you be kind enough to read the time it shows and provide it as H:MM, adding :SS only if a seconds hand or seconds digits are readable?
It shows 8:55:31
